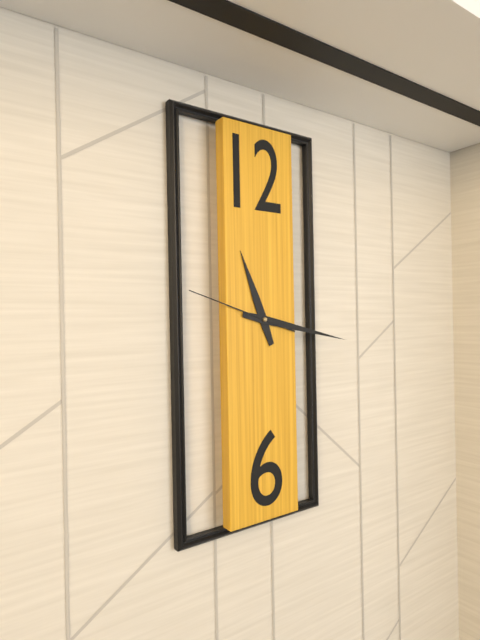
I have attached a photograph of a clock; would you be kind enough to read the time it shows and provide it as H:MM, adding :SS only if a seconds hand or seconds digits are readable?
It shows 11:17:48
